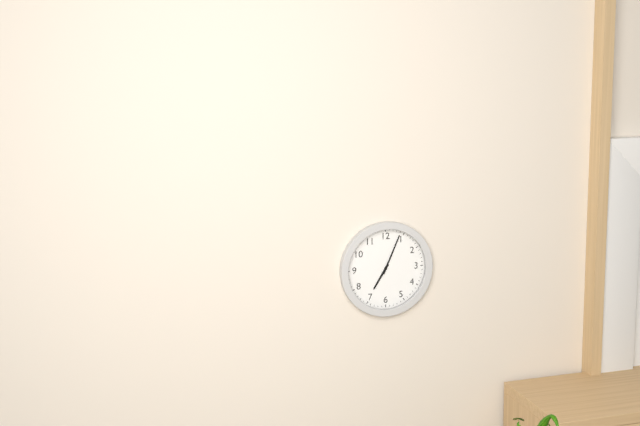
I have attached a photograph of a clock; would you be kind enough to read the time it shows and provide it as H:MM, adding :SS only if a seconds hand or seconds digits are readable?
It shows 7:04
